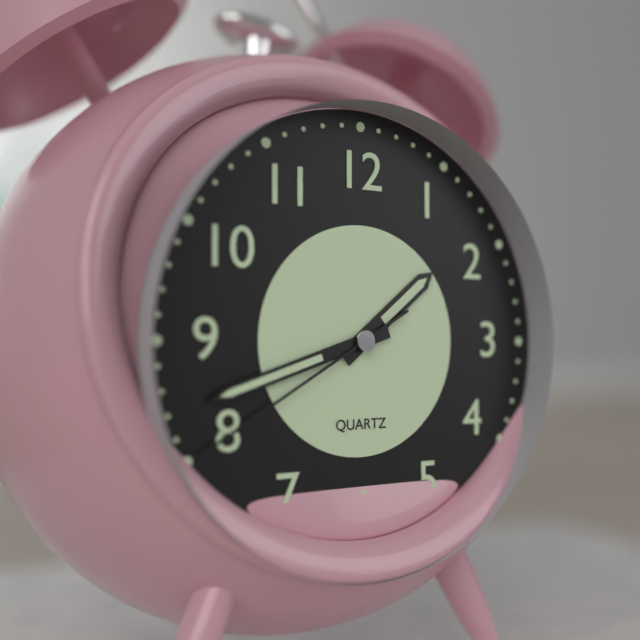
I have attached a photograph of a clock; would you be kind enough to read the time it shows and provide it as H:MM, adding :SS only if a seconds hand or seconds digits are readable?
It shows 1:42:40
